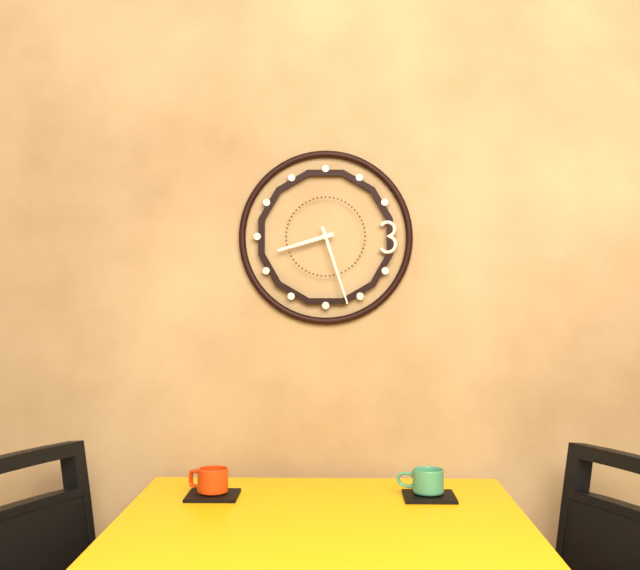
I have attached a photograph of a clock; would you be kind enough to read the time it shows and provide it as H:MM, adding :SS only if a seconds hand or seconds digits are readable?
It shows 8:27
